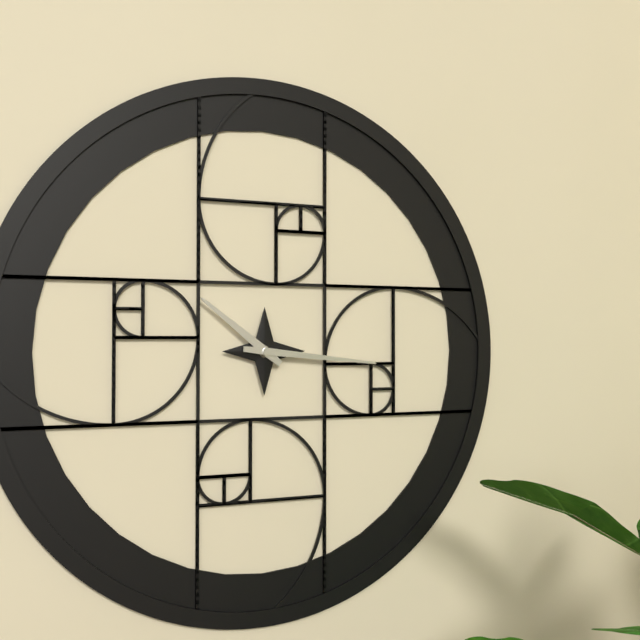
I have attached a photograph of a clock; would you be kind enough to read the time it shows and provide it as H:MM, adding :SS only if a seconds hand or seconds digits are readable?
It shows 10:16
